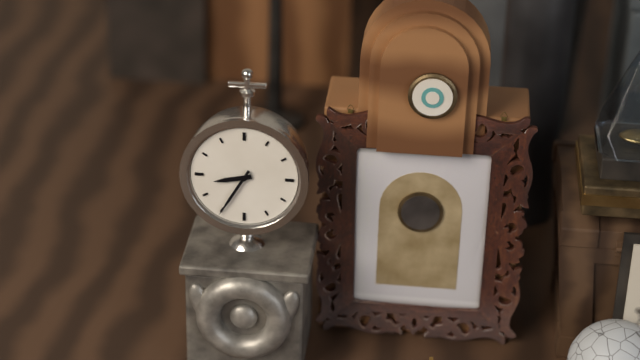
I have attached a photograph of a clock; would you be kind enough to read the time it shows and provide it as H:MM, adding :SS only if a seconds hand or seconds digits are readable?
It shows 8:35
